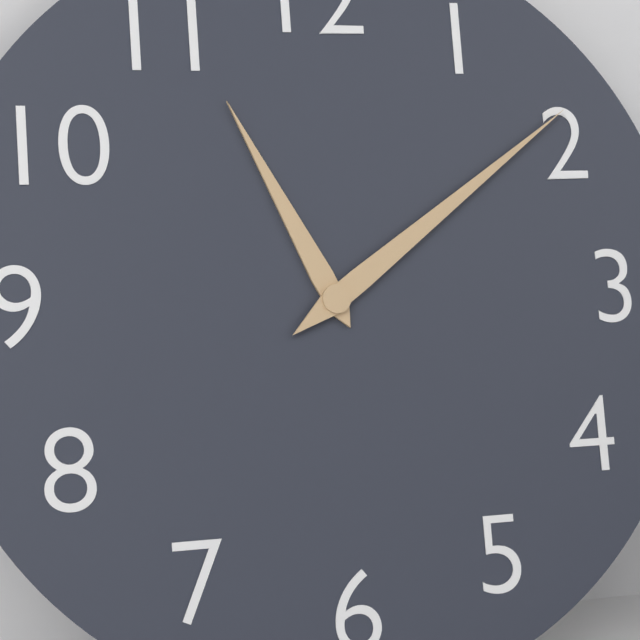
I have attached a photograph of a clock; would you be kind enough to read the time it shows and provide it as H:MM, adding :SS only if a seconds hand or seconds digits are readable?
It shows 11:09
